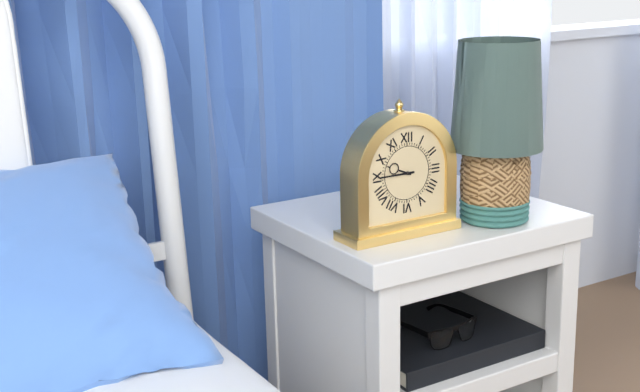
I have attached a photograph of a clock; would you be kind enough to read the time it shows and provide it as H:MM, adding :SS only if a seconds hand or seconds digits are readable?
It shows 9:45
